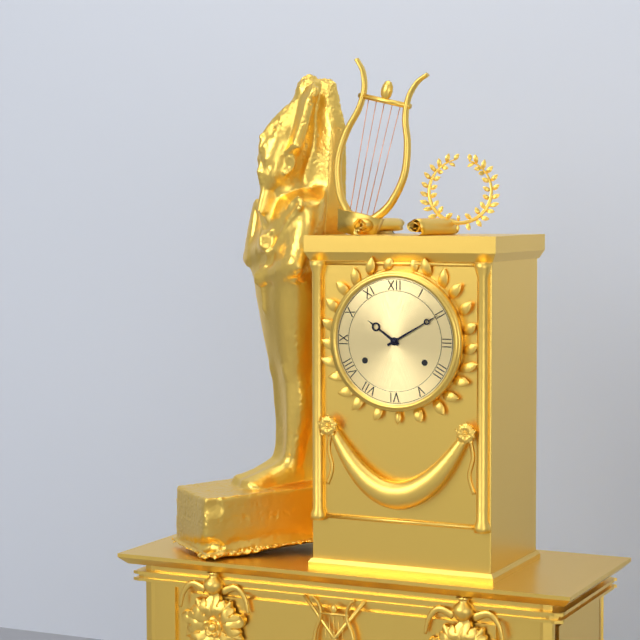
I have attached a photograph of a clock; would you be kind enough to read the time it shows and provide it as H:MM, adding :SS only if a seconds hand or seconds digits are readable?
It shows 10:10
